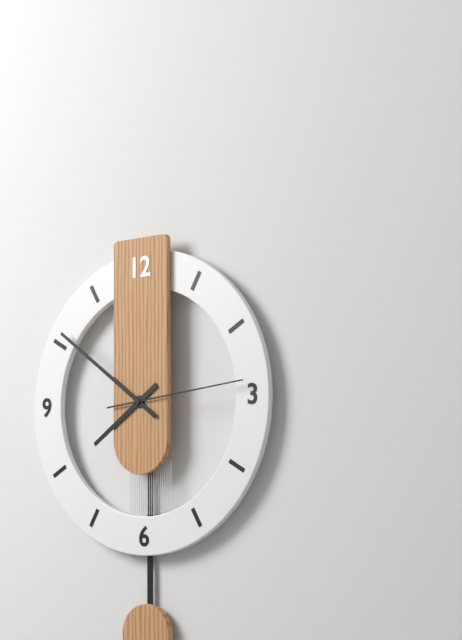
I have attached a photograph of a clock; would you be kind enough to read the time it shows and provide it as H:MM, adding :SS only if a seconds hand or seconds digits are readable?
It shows 7:51:14
